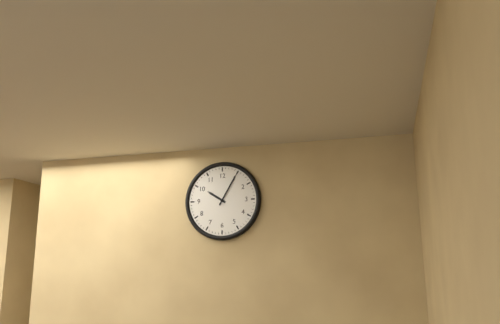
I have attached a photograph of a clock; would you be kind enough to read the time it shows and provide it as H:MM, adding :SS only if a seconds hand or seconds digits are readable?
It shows 10:05
